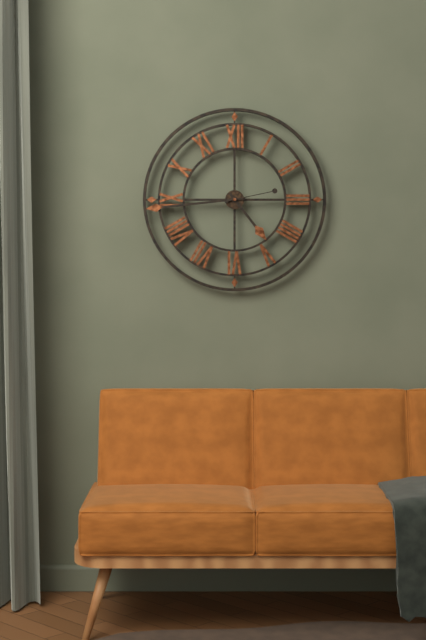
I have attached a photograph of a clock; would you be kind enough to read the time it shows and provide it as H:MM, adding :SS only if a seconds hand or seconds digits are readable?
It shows 4:44:13
